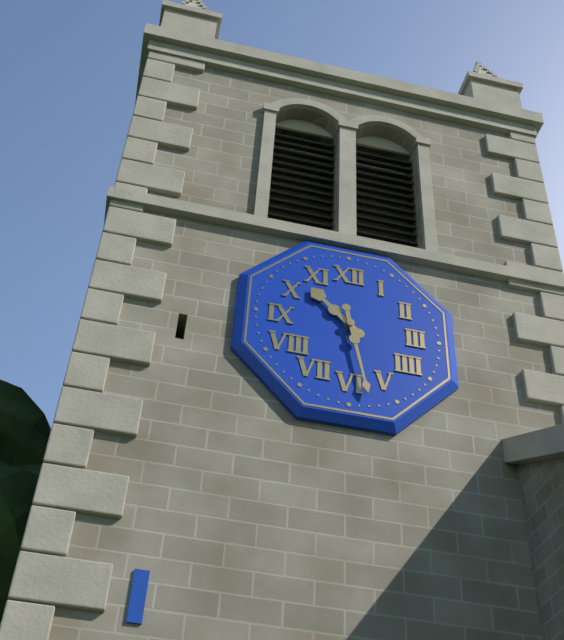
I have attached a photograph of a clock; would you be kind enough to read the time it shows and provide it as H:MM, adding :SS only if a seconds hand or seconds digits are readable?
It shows 10:28
